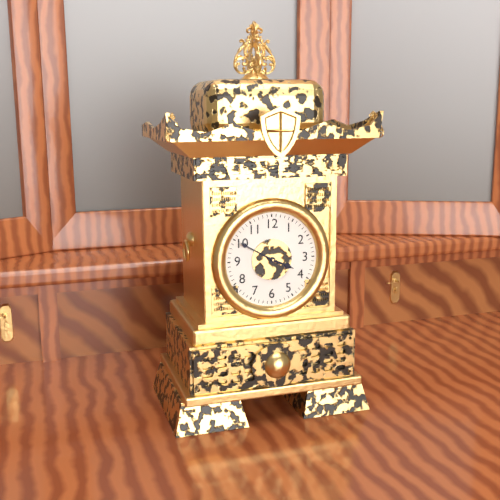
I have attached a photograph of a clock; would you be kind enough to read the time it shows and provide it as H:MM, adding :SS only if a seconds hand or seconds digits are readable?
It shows 3:50
